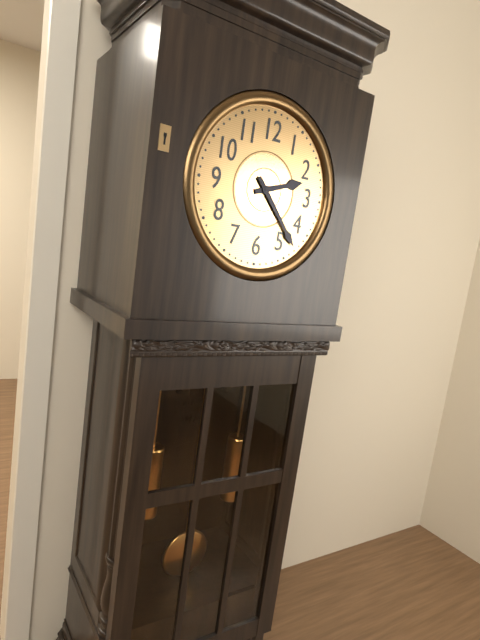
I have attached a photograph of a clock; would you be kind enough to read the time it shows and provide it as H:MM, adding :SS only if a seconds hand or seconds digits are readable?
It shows 2:23
